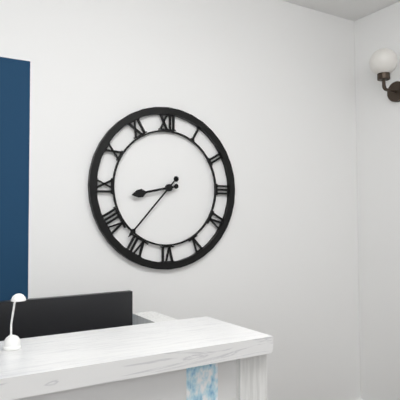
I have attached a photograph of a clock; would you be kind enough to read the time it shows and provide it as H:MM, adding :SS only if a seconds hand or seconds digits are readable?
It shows 8:37
